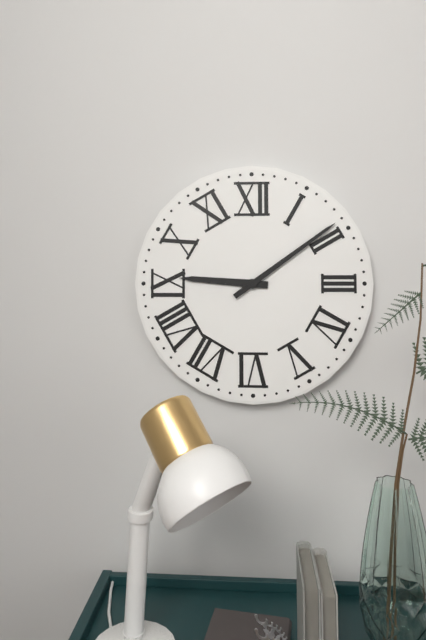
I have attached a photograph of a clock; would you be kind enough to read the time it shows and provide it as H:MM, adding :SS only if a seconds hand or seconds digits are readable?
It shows 9:09
